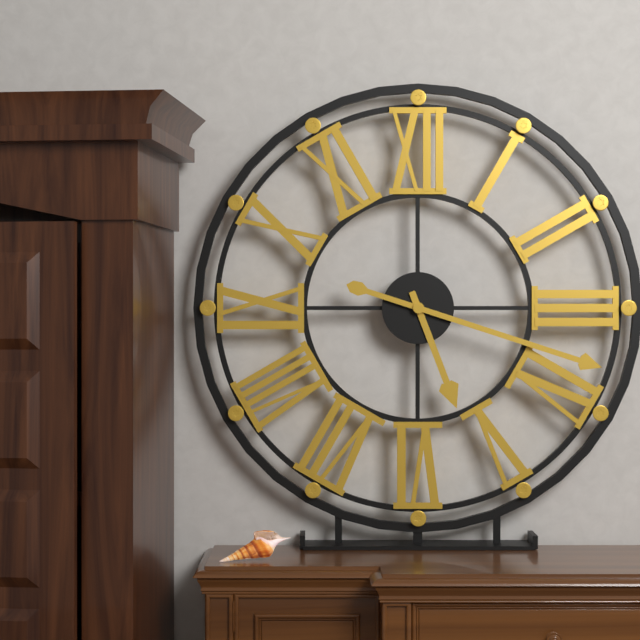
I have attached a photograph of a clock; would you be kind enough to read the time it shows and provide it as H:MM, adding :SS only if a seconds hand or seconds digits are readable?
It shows 5:18
